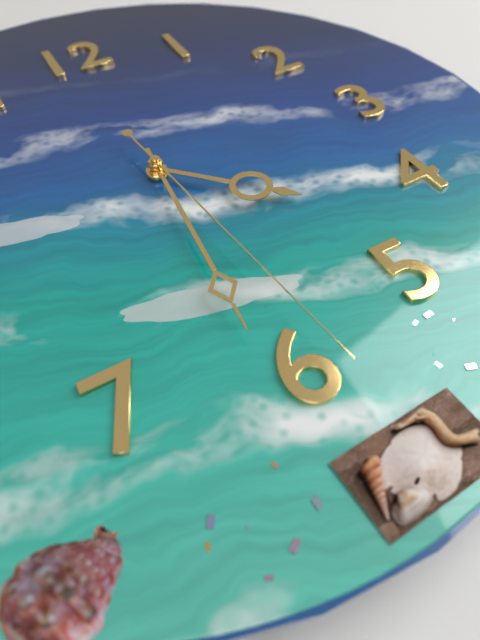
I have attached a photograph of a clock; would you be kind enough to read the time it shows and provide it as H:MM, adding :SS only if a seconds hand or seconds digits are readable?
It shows 4:31:29
